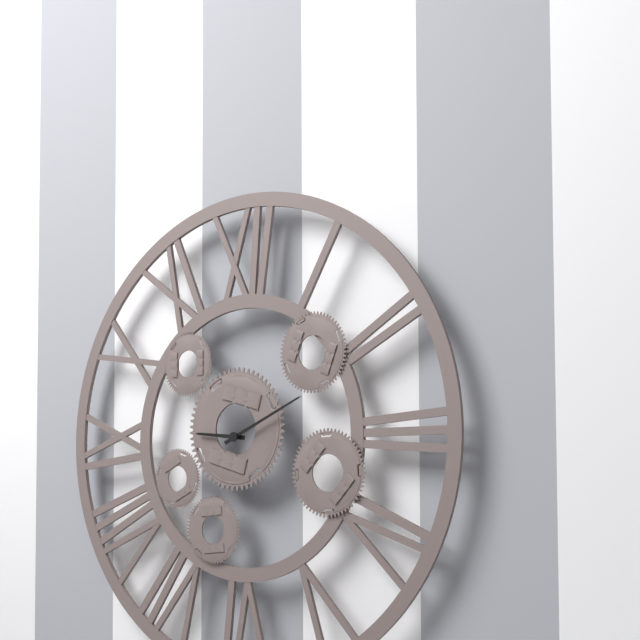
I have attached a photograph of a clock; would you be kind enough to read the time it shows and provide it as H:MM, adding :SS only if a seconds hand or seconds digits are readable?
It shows 9:11
